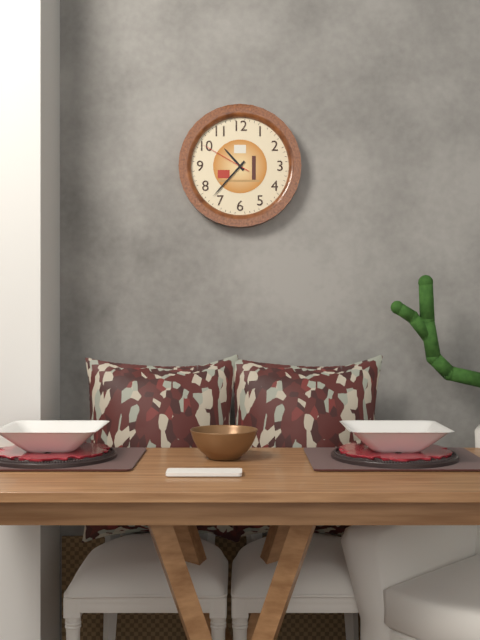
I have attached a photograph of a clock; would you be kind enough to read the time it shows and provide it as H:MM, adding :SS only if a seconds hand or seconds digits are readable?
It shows 10:37:50
